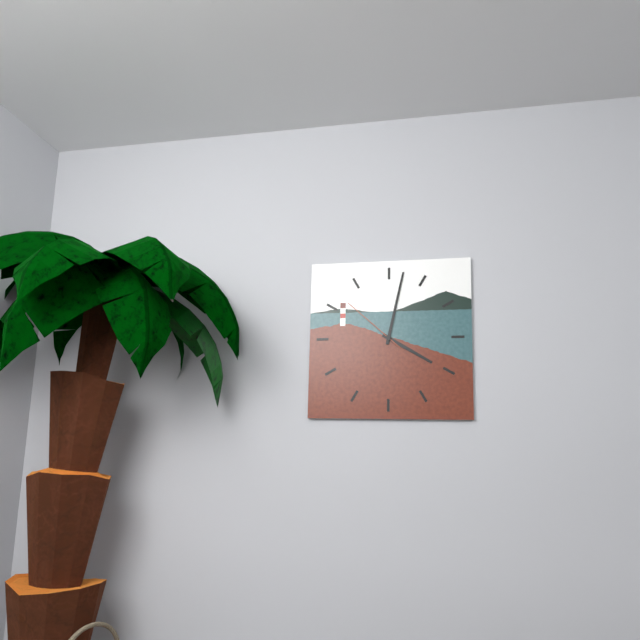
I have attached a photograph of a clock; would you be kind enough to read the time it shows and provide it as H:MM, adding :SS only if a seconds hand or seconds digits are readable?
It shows 4:02:52
